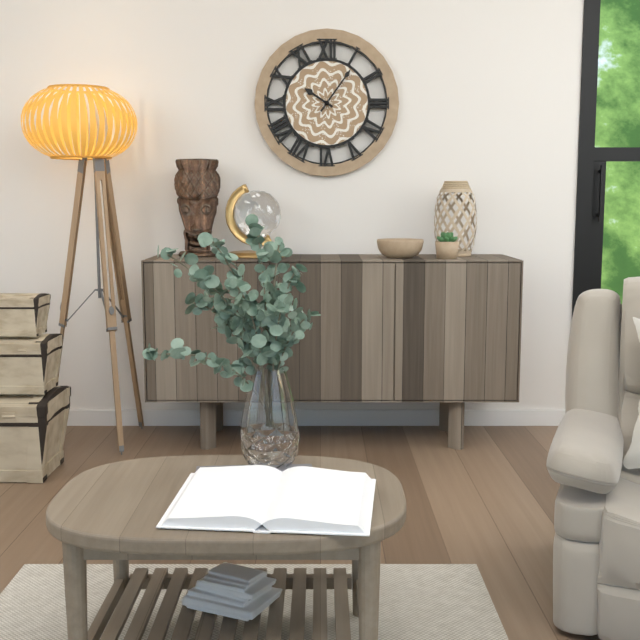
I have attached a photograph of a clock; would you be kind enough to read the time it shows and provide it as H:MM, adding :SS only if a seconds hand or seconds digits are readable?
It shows 10:06
